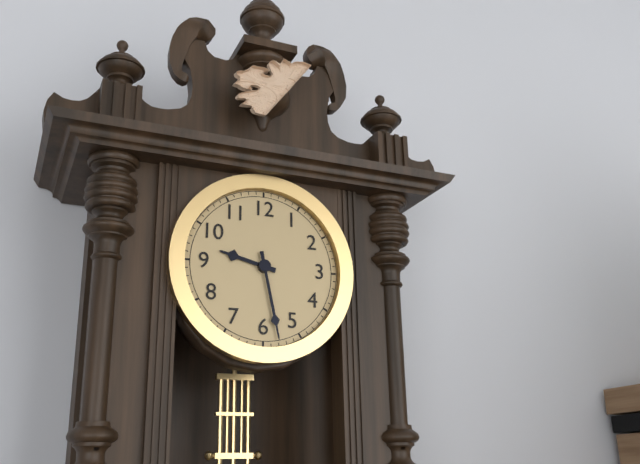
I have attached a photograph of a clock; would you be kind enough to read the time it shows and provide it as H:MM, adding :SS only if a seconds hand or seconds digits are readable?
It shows 9:28
